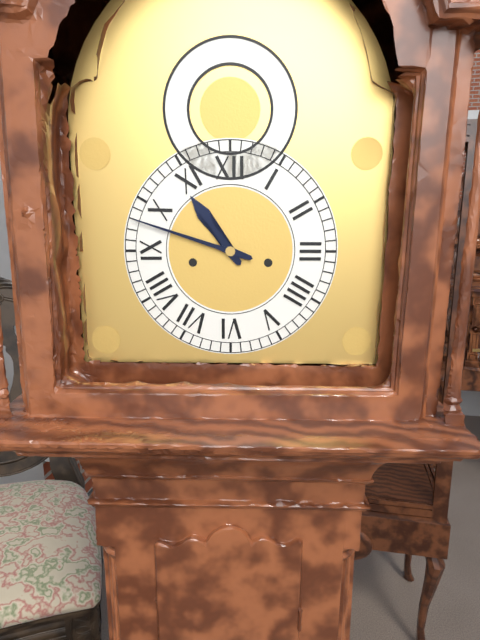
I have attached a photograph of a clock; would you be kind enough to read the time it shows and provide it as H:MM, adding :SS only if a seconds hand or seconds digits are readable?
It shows 10:48
